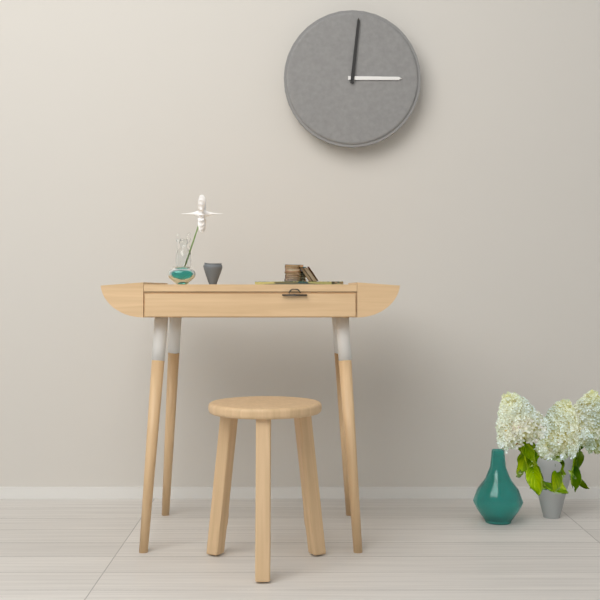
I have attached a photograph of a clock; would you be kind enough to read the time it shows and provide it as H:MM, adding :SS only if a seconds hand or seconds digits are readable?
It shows 3:01
